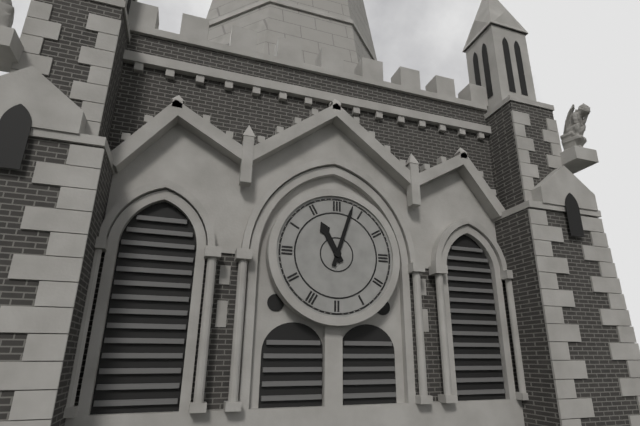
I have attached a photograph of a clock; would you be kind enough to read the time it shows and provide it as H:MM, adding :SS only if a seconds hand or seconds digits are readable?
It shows 11:03
